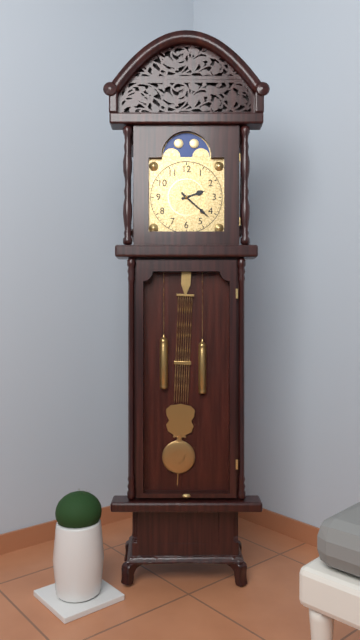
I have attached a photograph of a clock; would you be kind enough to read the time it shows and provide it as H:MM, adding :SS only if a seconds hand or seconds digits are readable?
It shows 2:22
